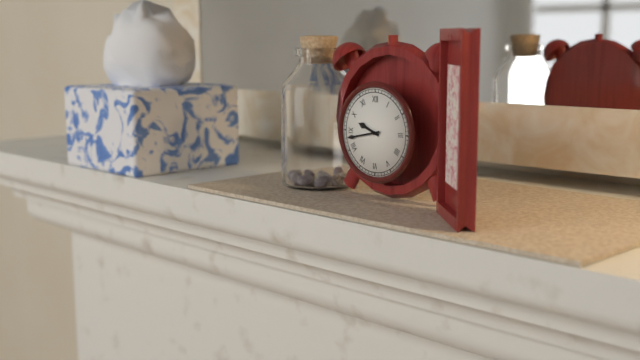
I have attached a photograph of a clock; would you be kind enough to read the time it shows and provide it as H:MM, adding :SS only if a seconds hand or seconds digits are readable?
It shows 9:43
